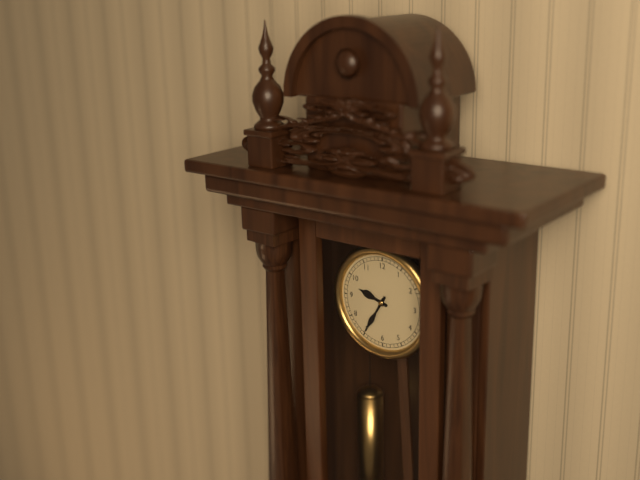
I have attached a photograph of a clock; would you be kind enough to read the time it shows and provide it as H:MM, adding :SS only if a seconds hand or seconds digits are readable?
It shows 9:35
